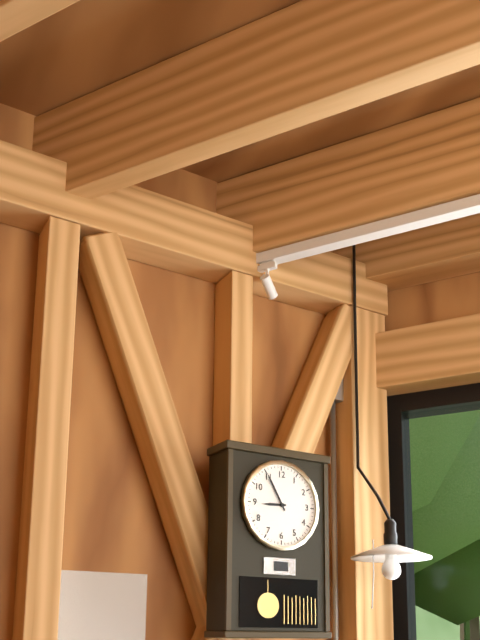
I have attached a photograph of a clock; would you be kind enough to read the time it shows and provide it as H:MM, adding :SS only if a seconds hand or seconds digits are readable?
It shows 8:55
